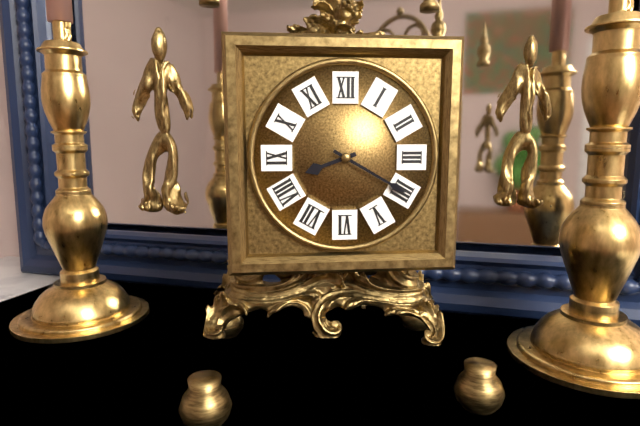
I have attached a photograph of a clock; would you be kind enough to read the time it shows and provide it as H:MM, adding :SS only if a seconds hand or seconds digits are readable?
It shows 8:20
